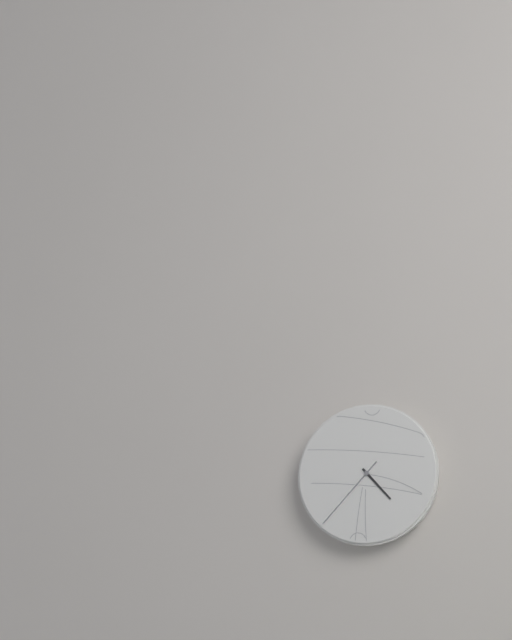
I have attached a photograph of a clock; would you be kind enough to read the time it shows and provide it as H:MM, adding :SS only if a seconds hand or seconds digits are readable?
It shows 4:37
